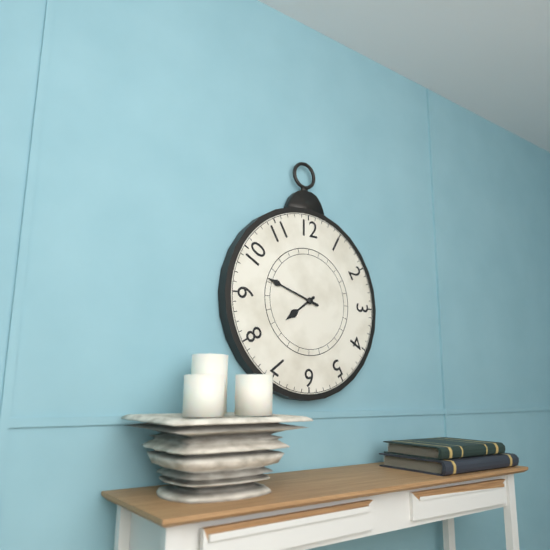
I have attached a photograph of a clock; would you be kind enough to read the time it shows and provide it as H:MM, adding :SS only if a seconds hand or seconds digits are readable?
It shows 7:48
